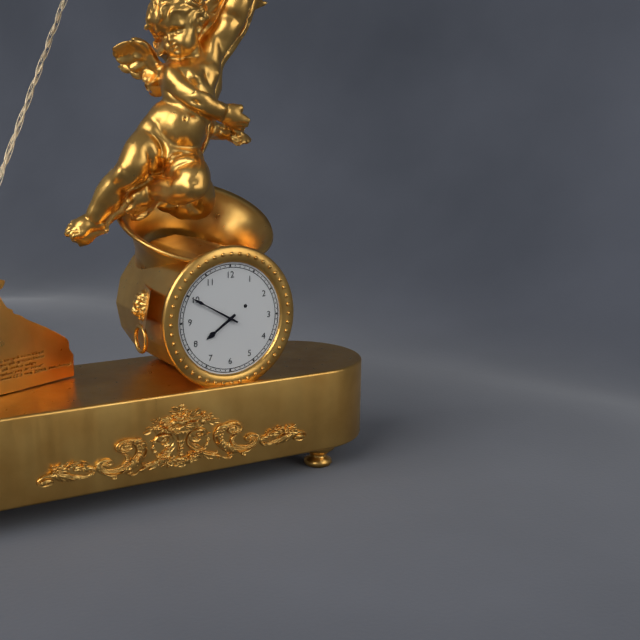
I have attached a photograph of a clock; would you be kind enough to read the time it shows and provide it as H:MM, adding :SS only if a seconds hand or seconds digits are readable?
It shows 7:50
